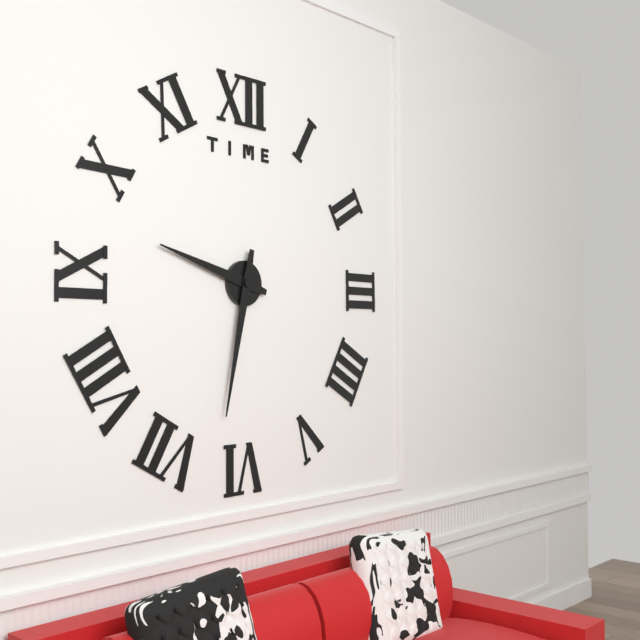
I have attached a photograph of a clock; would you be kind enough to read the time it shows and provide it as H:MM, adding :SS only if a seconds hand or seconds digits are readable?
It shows 9:32
